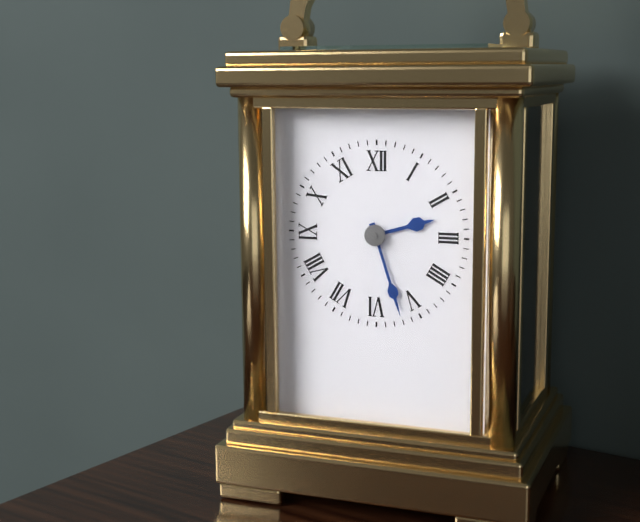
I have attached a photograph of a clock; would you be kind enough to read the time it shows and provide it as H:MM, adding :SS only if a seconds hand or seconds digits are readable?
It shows 2:27
